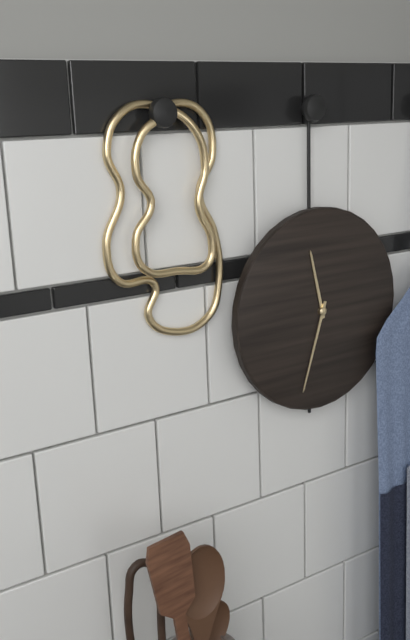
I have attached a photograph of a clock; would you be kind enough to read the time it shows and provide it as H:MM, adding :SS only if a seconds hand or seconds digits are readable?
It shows 11:33
